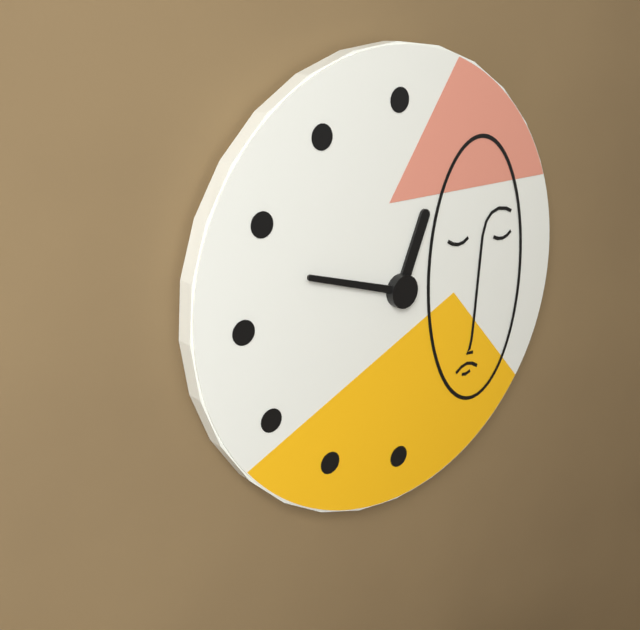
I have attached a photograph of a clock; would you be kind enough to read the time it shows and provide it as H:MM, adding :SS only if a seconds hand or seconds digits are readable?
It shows 12:48
